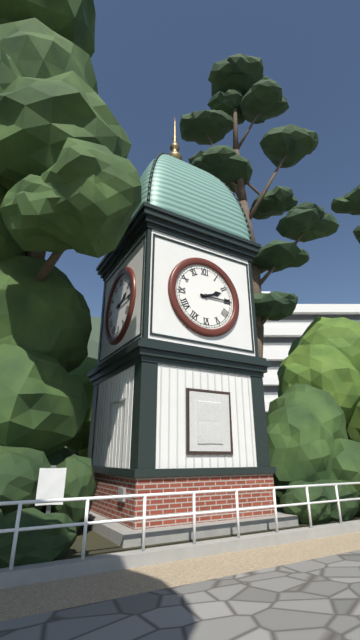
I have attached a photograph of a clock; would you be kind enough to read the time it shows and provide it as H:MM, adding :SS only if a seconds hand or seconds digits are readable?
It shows 2:15
